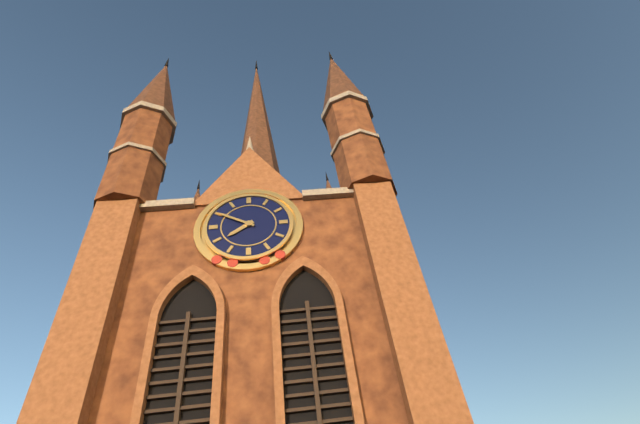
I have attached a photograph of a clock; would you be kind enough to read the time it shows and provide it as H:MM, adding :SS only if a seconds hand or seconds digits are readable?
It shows 7:50
